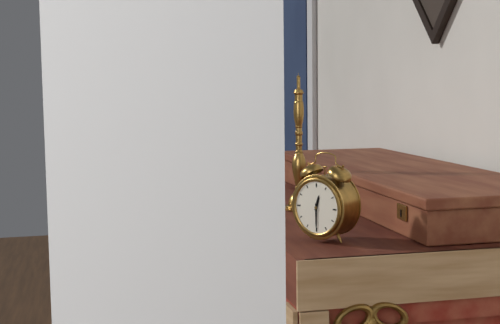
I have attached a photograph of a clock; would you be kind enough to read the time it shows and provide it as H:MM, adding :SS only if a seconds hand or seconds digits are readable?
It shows 12:30
